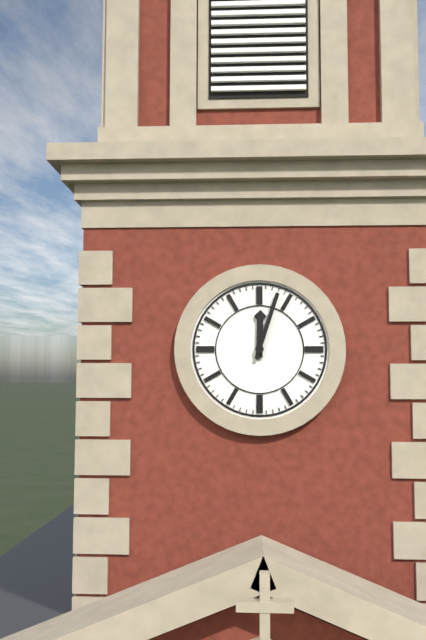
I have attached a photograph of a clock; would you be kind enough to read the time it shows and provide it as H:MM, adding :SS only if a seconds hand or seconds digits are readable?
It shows 12:03
